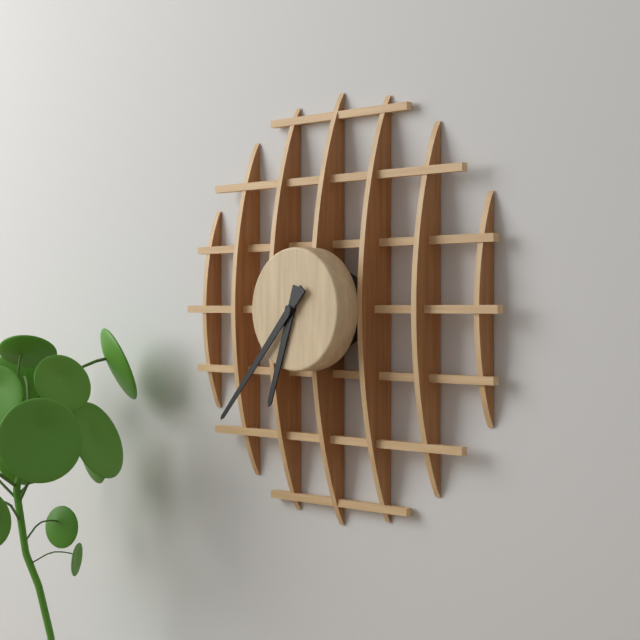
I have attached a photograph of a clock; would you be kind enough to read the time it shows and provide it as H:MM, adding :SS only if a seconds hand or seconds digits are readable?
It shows 6:37
